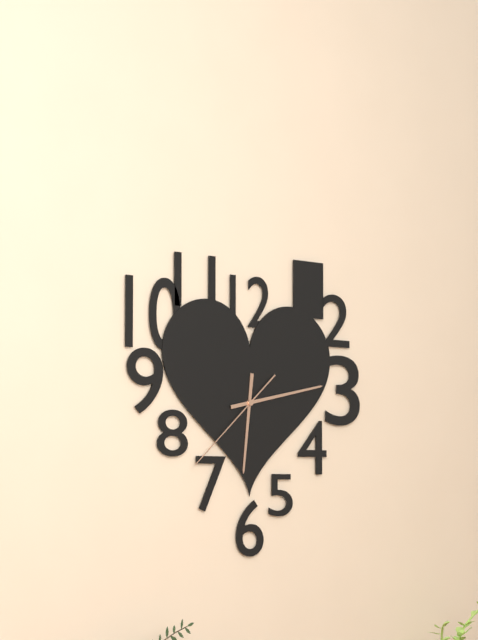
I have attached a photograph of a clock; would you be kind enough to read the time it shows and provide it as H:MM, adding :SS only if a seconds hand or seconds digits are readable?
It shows 6:13:38
